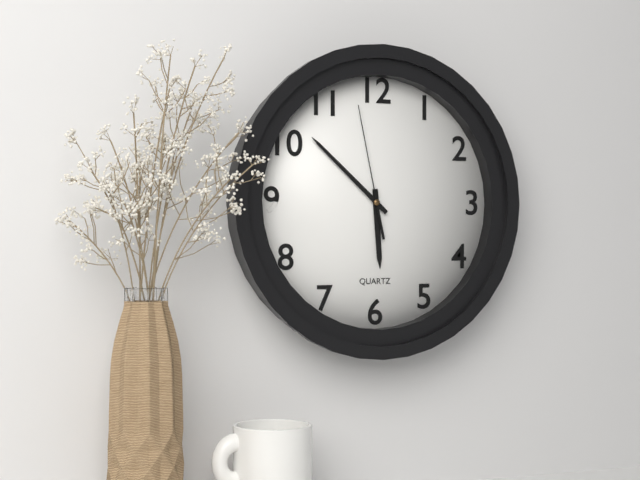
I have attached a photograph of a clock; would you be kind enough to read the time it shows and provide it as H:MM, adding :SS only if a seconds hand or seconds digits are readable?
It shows 5:52:58
